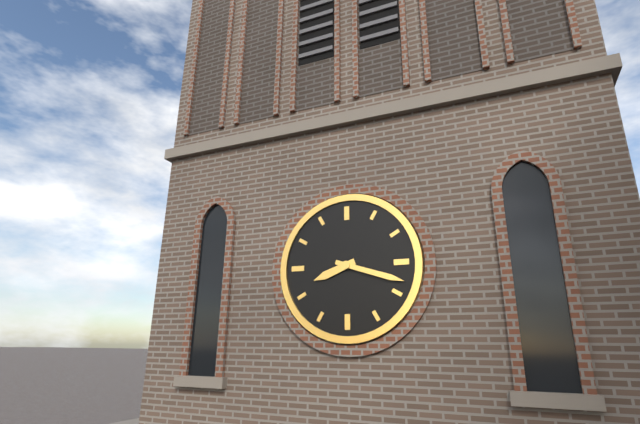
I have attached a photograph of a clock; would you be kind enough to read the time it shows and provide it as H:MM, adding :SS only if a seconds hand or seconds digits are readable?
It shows 8:18
